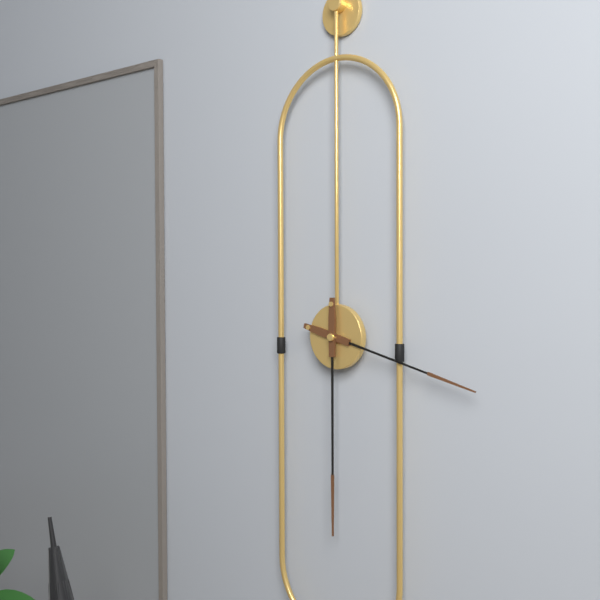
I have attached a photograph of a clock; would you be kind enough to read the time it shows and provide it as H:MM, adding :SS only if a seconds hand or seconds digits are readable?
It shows 3:30
